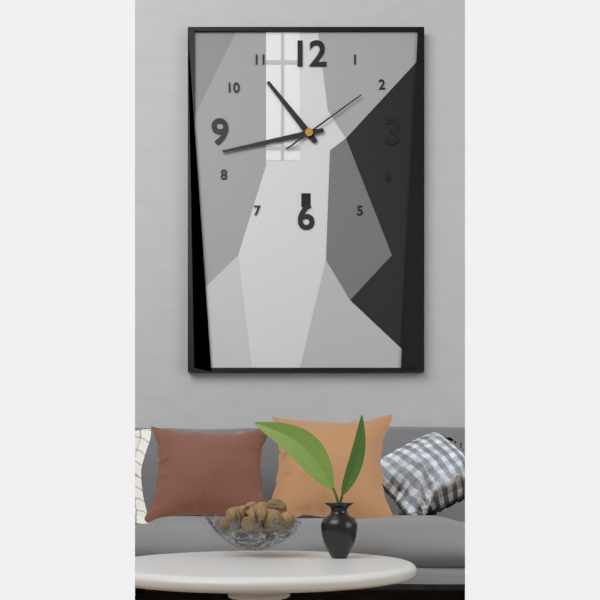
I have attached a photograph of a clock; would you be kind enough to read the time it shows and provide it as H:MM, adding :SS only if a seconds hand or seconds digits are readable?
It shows 10:43:09
